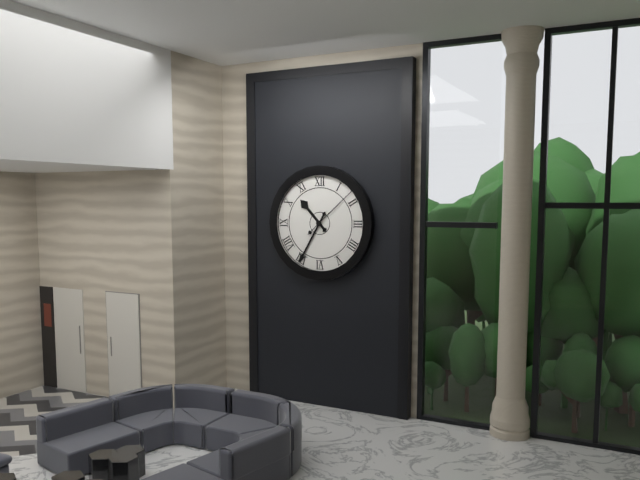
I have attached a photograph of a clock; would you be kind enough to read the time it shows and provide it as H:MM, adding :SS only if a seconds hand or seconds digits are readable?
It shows 10:35:08
